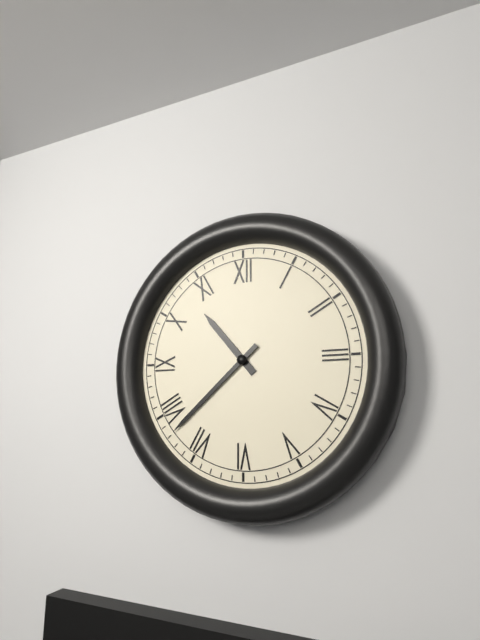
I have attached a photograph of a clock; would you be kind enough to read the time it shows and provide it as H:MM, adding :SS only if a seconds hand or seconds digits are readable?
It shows 10:38
